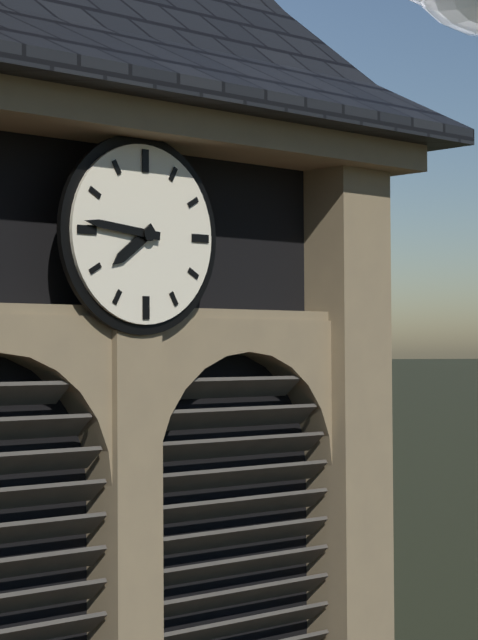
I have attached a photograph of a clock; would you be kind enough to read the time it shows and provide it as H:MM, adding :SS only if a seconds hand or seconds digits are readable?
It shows 7:46
